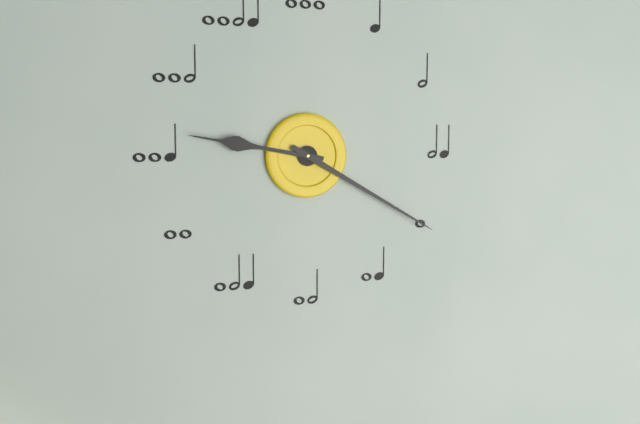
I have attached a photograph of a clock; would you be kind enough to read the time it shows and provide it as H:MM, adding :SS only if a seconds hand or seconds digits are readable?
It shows 9:20
